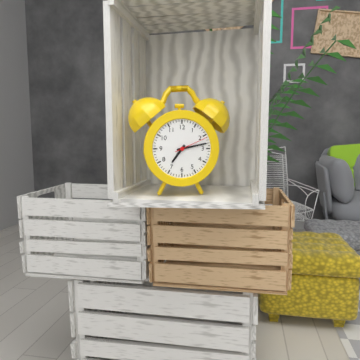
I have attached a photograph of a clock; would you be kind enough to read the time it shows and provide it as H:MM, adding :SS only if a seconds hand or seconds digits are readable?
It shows 7:13
